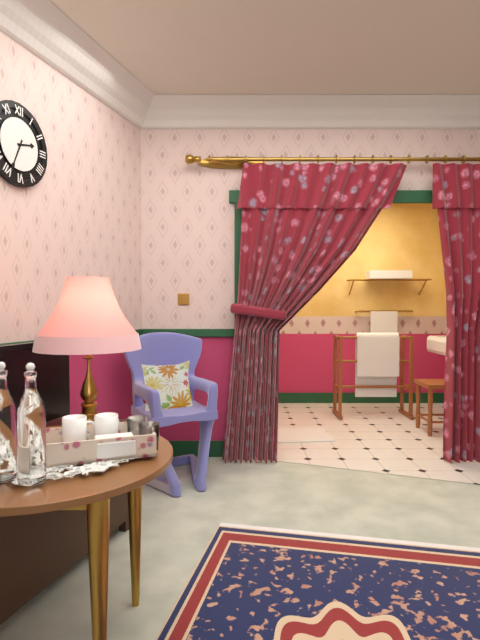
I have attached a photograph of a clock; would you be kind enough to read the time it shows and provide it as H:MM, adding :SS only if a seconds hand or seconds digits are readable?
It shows 2:34
